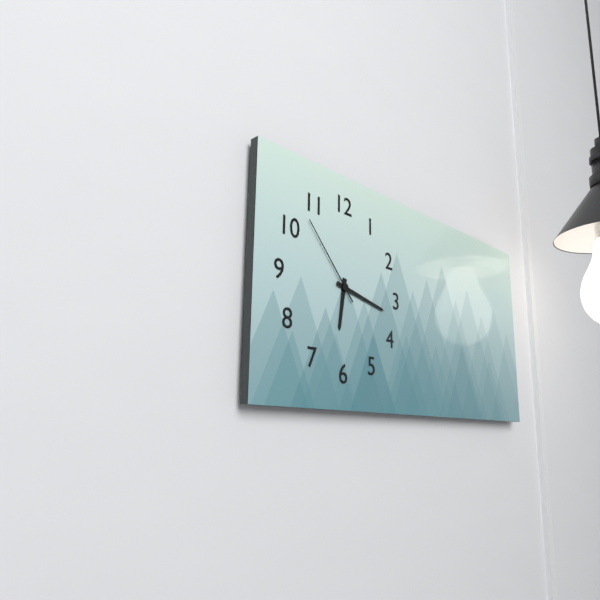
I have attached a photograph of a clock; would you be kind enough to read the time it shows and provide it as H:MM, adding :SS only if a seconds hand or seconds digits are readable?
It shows 6:17:53
